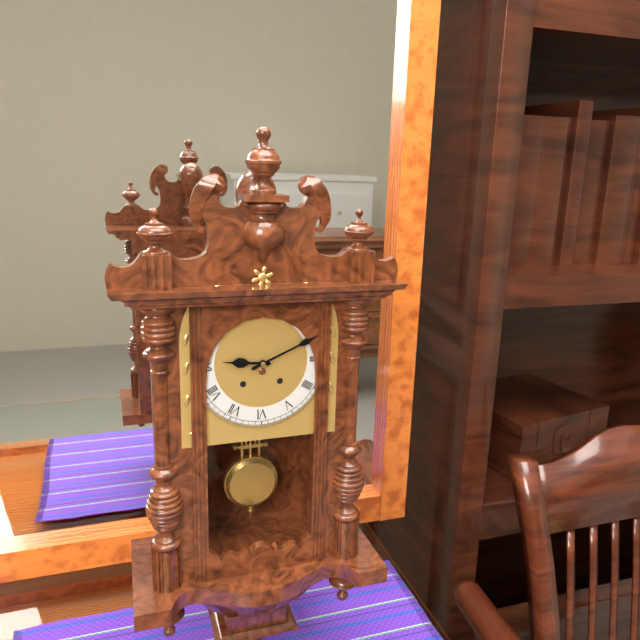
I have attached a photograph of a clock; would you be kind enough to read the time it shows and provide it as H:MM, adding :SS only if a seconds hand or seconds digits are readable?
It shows 9:11
